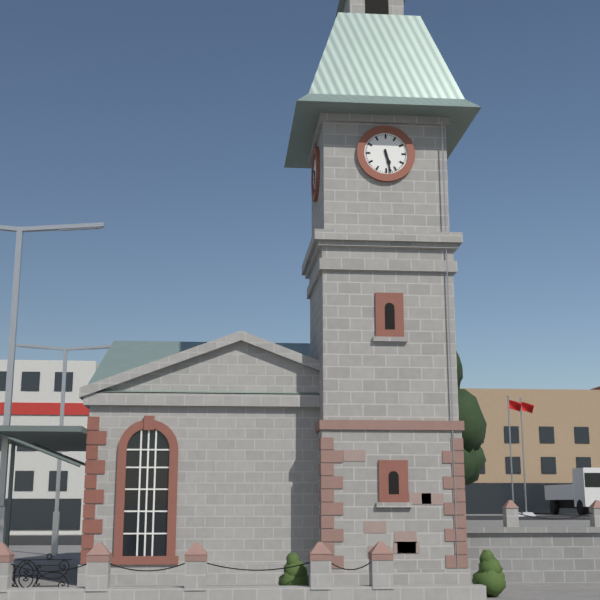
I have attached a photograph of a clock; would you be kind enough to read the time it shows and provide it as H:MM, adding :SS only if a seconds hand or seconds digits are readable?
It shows 5:28
